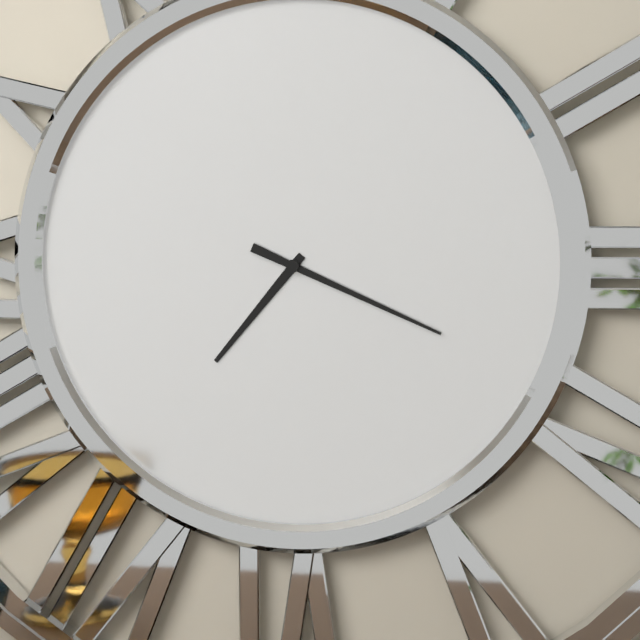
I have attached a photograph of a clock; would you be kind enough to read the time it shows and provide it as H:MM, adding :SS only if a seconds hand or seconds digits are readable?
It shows 7:19
